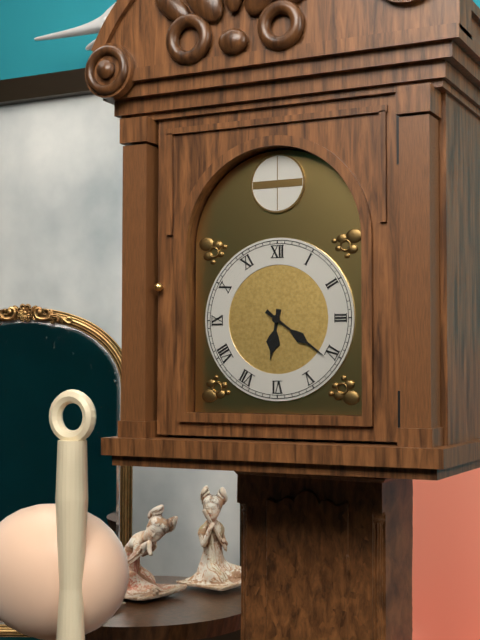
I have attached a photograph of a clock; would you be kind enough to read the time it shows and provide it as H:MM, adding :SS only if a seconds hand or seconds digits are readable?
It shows 6:21
